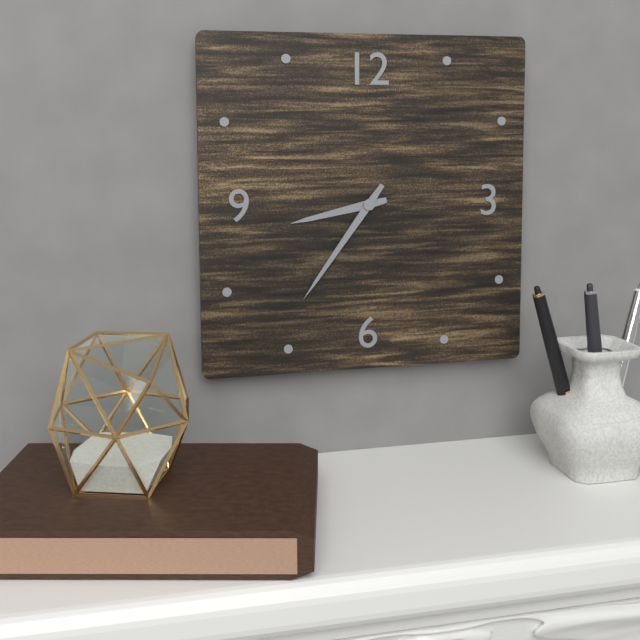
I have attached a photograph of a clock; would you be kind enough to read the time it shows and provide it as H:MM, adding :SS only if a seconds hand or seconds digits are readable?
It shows 8:36
